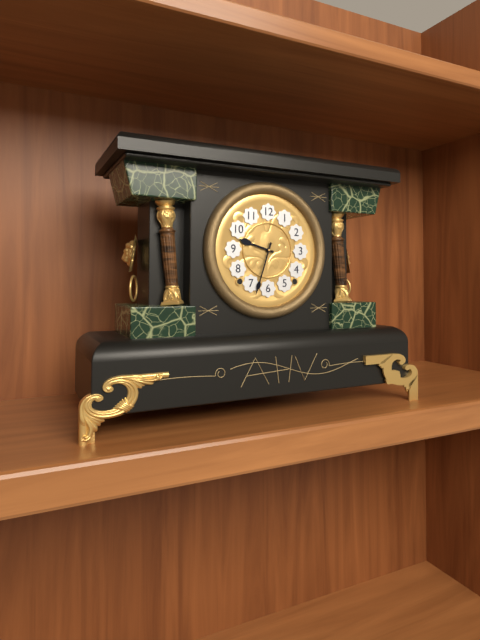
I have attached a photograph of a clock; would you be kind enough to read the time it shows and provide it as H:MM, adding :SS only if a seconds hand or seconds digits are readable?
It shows 9:33
